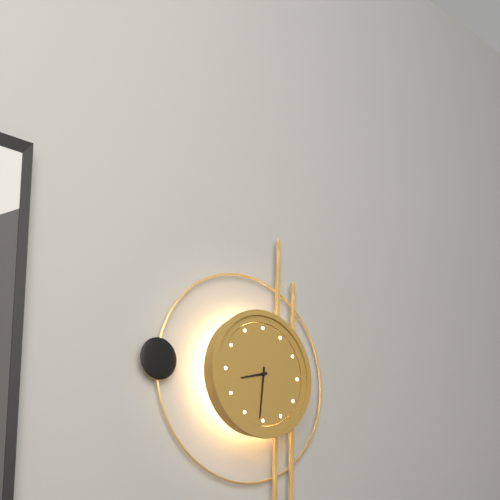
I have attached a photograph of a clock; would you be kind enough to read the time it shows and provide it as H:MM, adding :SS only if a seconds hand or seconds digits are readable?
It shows 8:31
